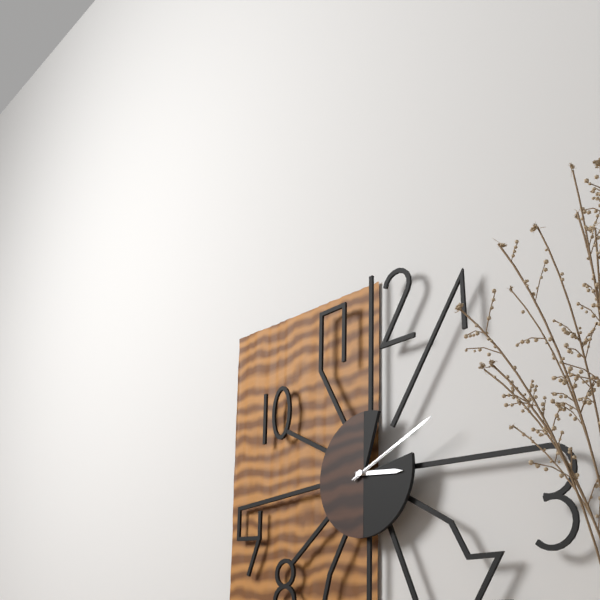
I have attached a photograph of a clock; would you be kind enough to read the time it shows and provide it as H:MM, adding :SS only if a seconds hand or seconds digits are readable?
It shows 3:11
